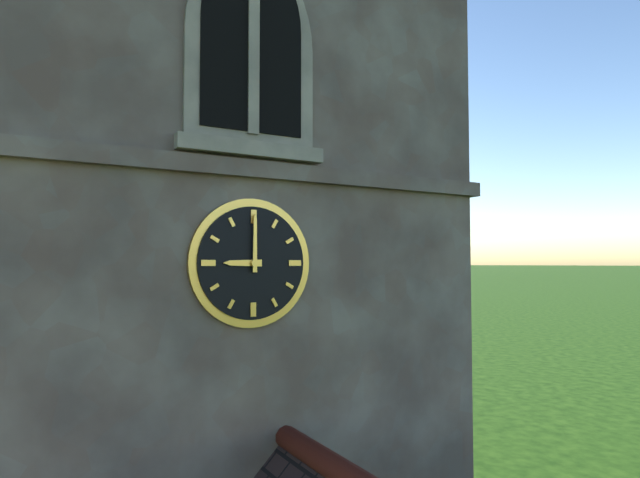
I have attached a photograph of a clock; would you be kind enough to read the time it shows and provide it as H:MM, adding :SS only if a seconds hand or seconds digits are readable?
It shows 9:00
